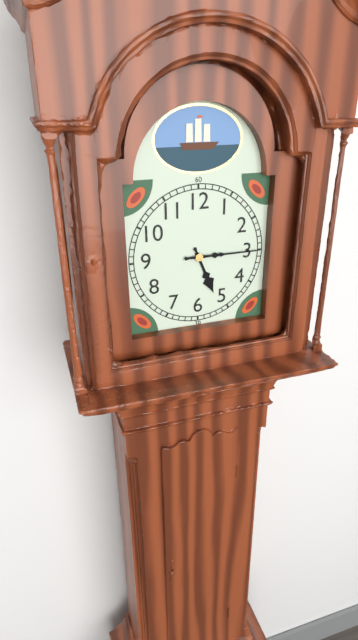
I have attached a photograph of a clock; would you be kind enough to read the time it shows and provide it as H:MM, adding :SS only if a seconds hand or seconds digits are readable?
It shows 5:15
